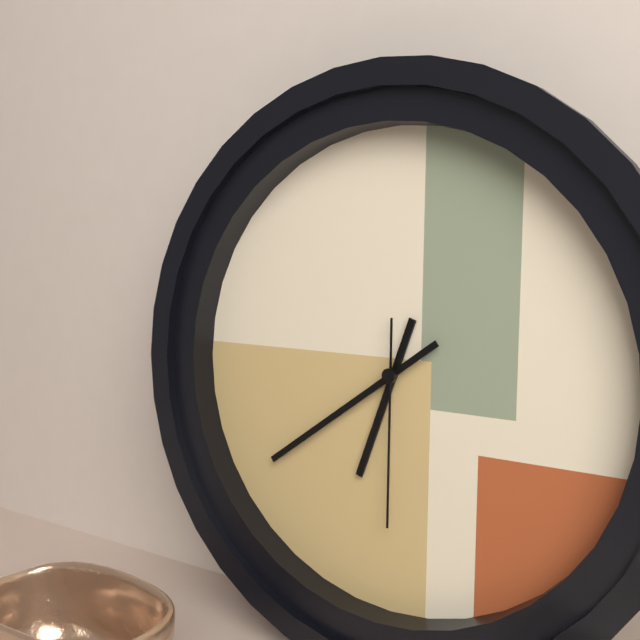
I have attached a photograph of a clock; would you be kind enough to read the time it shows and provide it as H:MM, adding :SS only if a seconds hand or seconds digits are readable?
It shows 6:39:30
